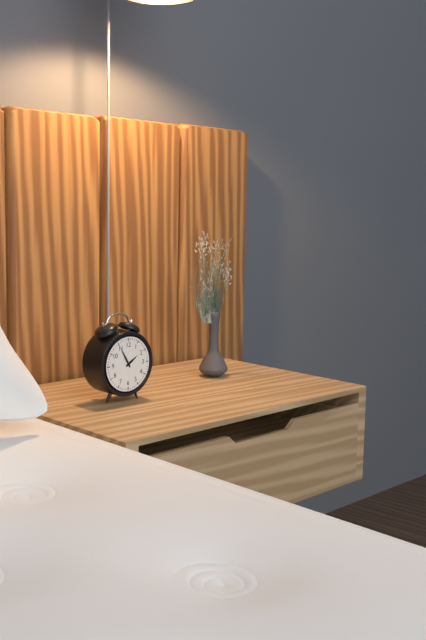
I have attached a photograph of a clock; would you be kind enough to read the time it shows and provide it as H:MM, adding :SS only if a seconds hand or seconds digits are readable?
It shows 1:55
